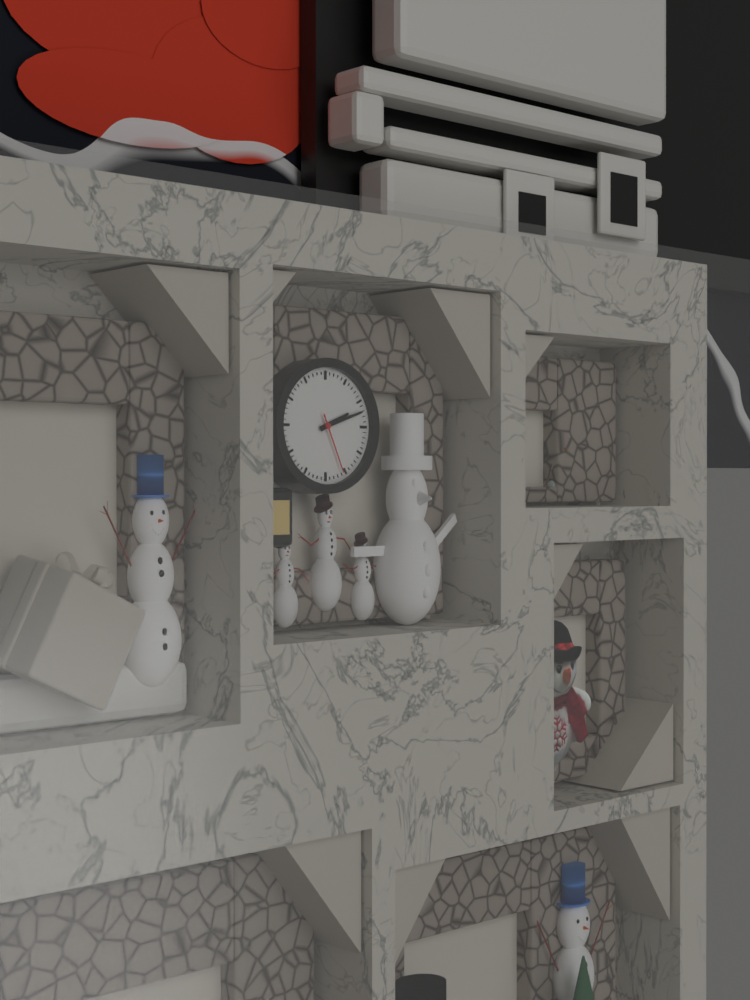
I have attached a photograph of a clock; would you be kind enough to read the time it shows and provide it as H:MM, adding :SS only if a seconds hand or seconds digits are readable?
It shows 2:12:26
